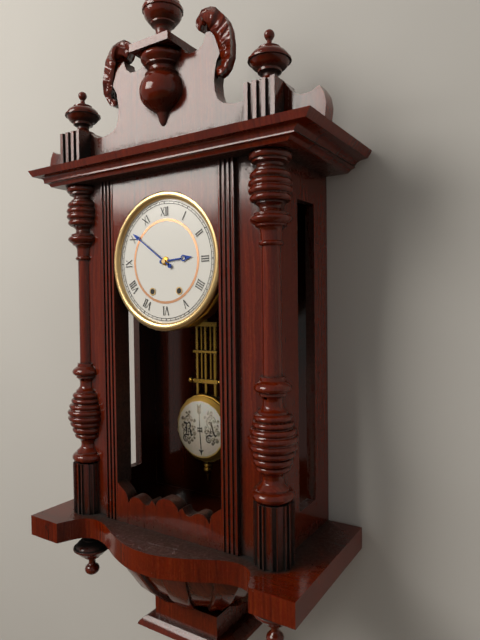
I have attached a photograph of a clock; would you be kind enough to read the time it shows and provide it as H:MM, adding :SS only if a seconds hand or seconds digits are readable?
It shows 2:51
